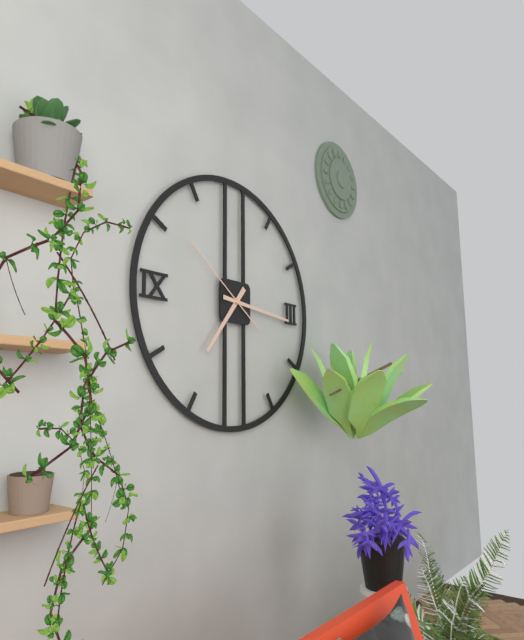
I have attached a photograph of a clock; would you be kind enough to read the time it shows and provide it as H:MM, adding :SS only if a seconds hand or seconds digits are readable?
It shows 7:16:51
